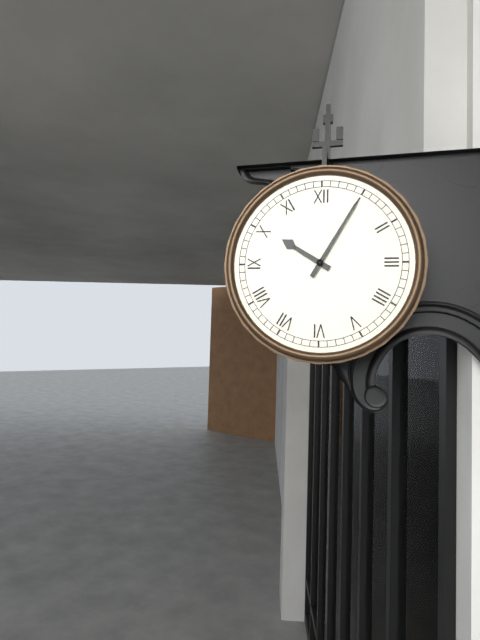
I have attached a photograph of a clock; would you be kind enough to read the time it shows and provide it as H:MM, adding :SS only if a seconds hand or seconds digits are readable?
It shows 10:05
